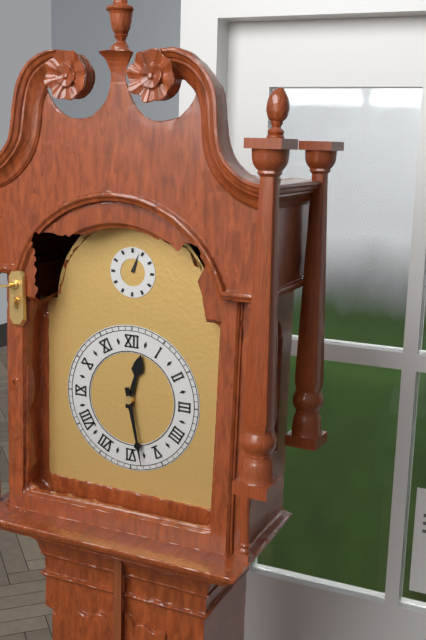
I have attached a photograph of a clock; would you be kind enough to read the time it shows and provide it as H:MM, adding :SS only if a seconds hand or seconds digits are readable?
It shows 12:28
